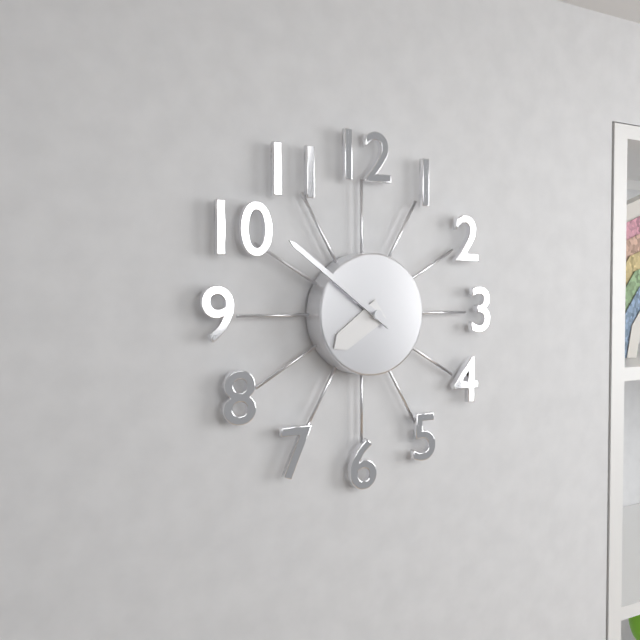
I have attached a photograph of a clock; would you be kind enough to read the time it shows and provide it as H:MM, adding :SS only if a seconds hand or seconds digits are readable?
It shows 7:51
